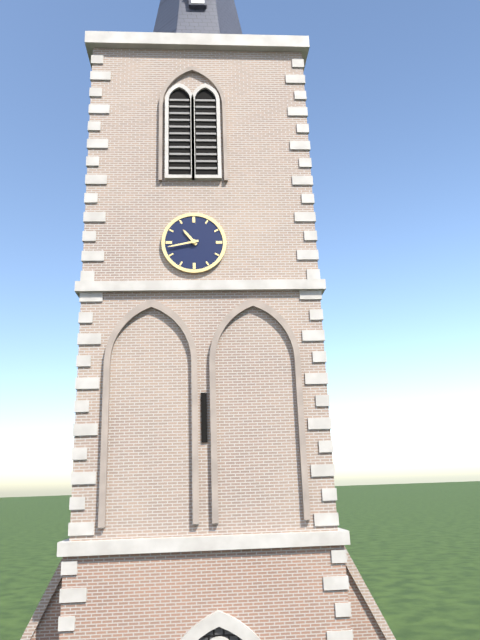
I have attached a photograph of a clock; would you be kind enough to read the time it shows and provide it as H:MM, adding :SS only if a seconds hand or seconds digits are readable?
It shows 10:43
